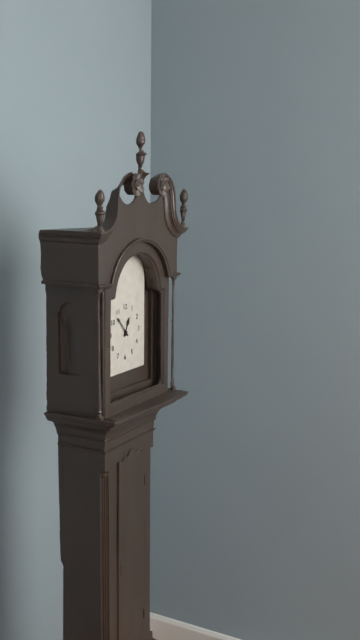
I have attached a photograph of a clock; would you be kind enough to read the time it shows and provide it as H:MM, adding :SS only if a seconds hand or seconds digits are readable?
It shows 12:53
